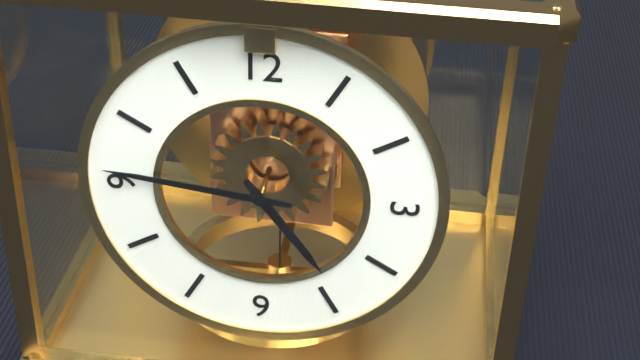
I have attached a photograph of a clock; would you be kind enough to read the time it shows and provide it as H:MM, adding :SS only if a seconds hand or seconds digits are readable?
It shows 4:46
